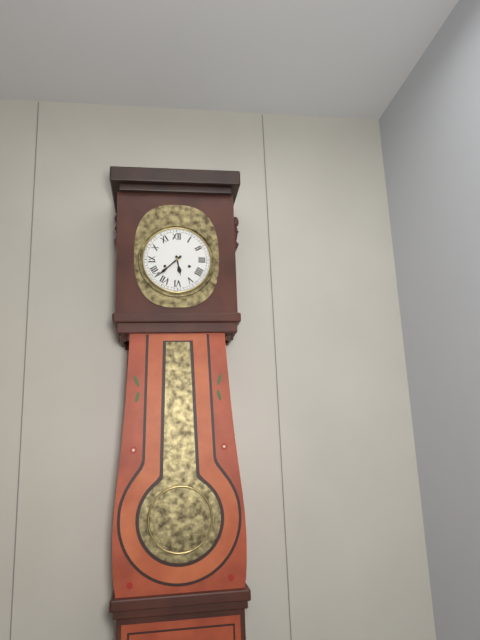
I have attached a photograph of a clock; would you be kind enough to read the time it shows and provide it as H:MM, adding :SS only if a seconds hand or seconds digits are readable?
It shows 5:38
